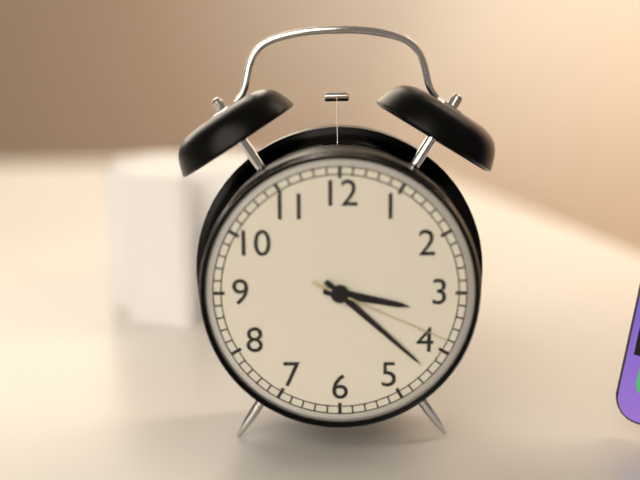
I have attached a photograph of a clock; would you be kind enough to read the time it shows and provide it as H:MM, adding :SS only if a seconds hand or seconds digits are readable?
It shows 3:22:19
